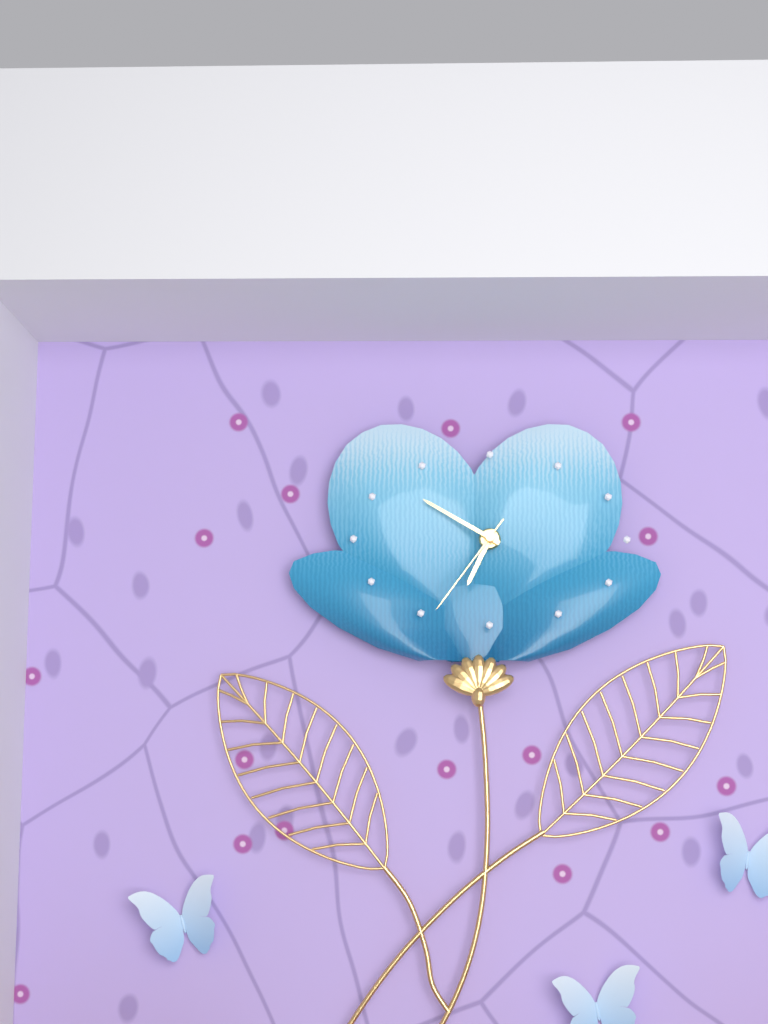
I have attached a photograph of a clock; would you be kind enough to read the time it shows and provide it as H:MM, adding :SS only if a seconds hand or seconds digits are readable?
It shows 6:50:36
